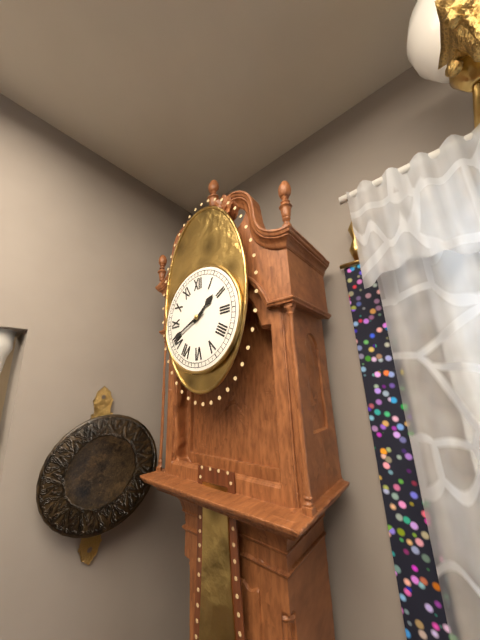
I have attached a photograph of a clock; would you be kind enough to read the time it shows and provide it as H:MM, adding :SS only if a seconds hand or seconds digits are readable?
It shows 1:41
